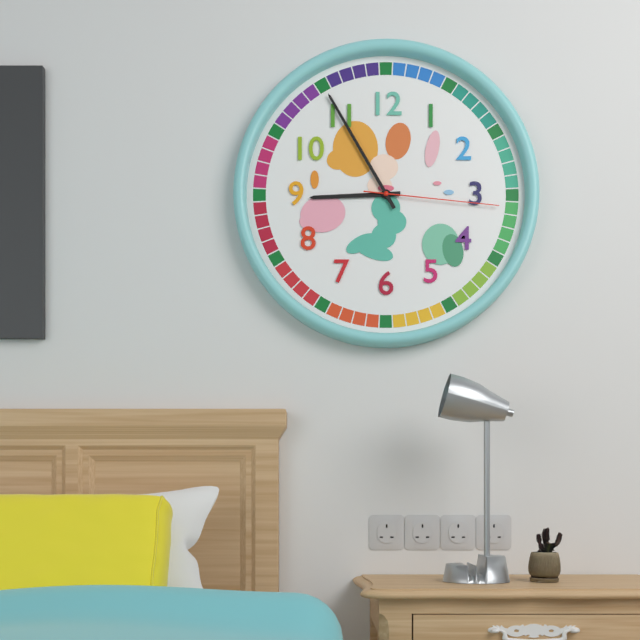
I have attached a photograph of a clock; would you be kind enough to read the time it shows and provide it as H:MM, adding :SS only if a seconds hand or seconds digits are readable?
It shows 8:55:16
